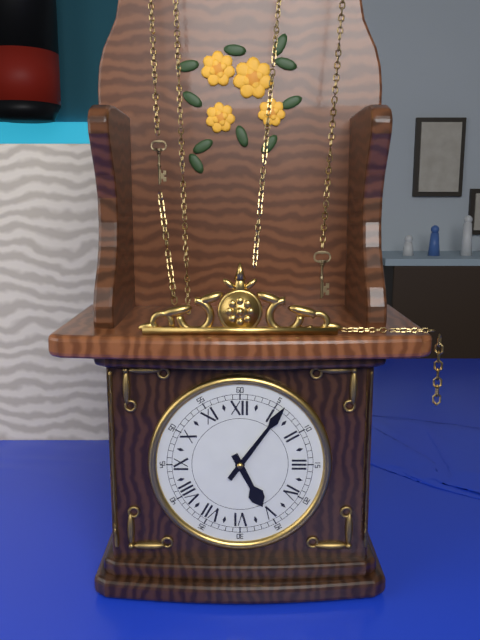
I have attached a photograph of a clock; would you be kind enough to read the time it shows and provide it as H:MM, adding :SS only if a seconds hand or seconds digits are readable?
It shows 5:06
